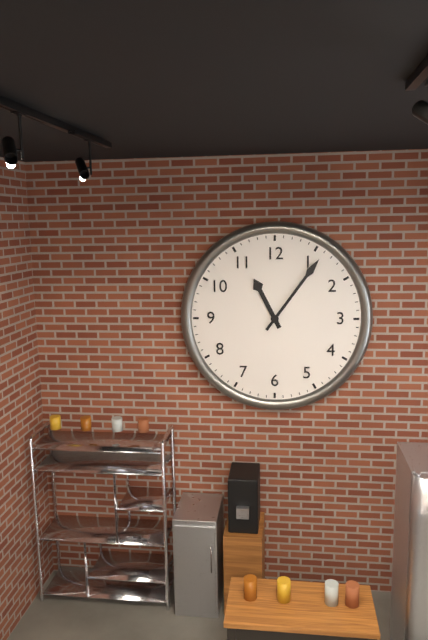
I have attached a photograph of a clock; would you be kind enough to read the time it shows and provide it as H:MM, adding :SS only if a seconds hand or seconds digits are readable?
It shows 11:06
